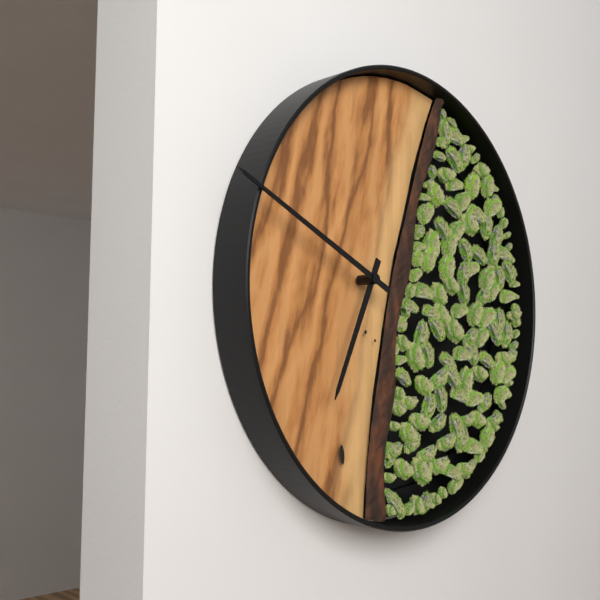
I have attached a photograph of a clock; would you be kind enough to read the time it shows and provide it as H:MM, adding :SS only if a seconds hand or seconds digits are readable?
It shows 6:49
